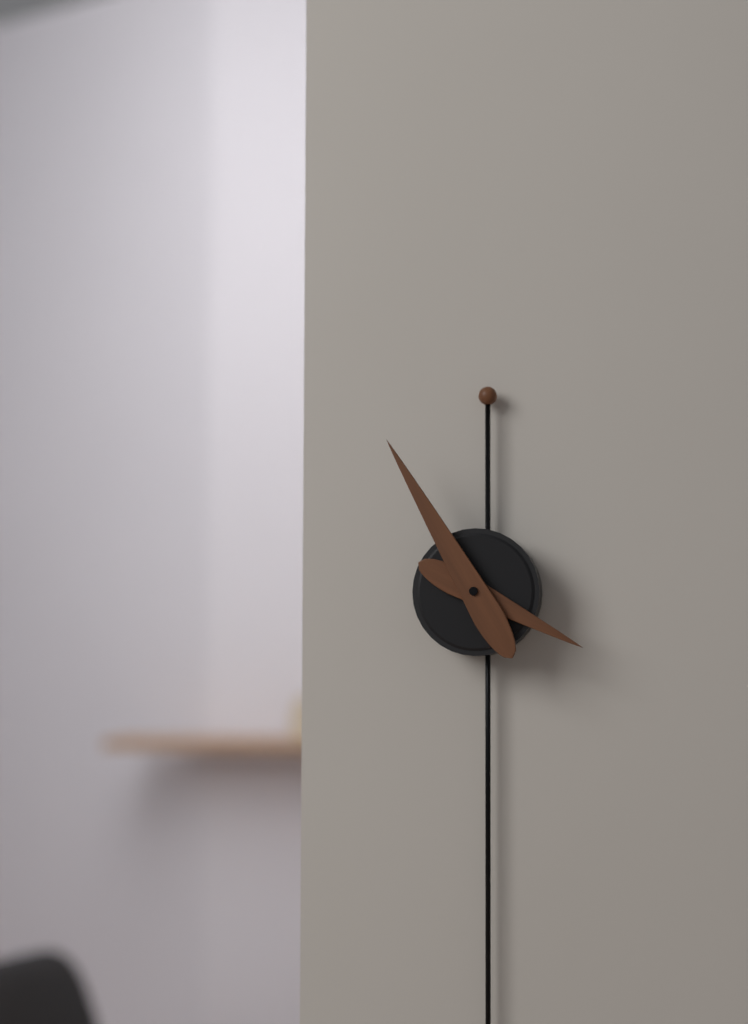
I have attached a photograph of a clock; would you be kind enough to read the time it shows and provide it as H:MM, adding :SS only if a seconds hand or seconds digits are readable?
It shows 3:55
